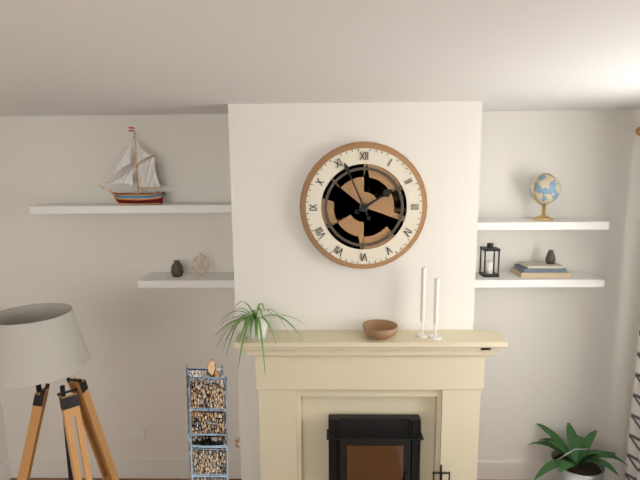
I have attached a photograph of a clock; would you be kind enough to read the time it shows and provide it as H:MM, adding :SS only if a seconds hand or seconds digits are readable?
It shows 1:56
